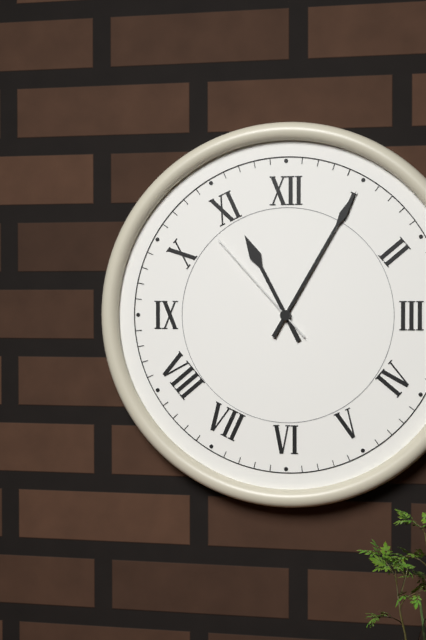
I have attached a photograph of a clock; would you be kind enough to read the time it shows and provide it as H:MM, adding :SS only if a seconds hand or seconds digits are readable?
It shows 11:05:53
